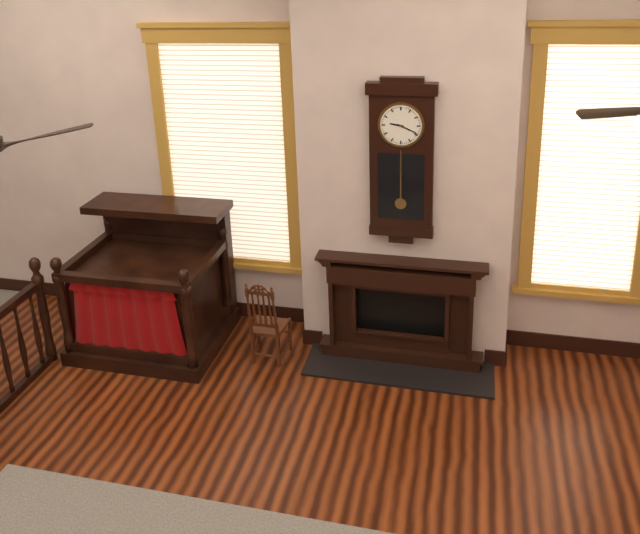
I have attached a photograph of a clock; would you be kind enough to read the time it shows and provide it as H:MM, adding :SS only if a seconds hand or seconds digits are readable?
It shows 9:19
